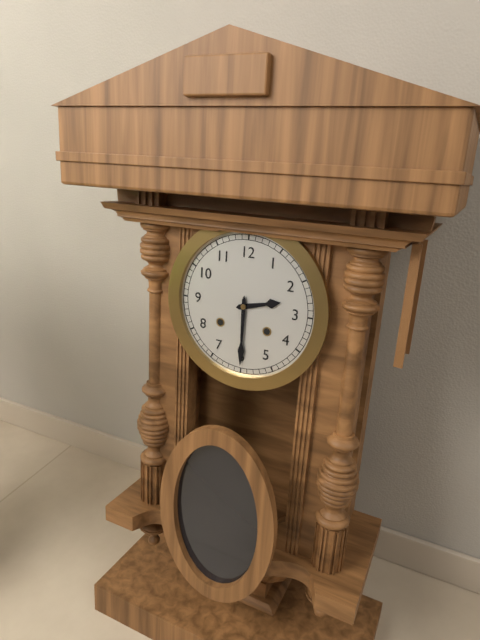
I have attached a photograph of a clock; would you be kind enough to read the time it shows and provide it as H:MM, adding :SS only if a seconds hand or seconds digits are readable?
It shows 2:30
